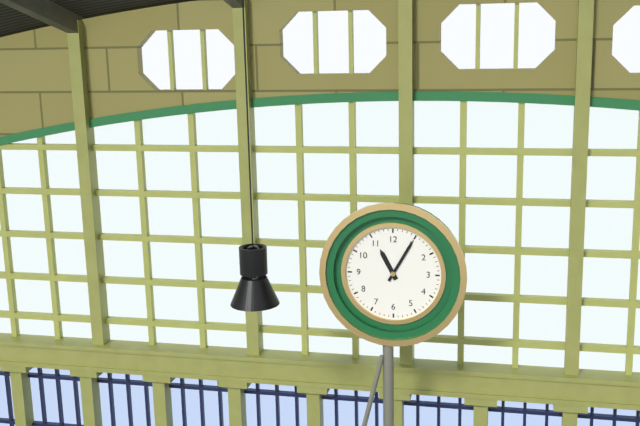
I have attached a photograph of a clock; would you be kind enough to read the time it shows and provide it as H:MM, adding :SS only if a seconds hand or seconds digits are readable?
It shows 11:05
